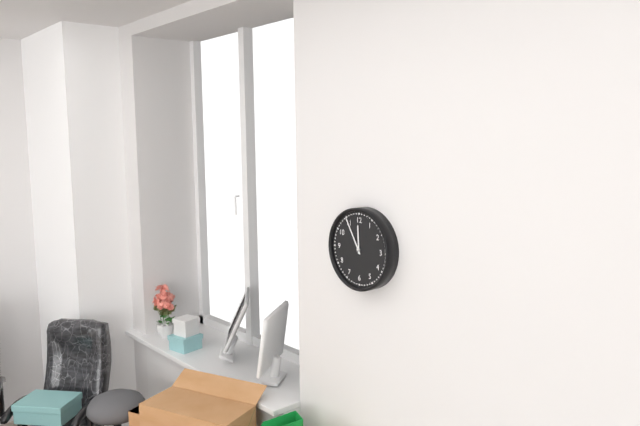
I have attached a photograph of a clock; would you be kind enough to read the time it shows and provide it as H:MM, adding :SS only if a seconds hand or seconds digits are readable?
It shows 11:55
